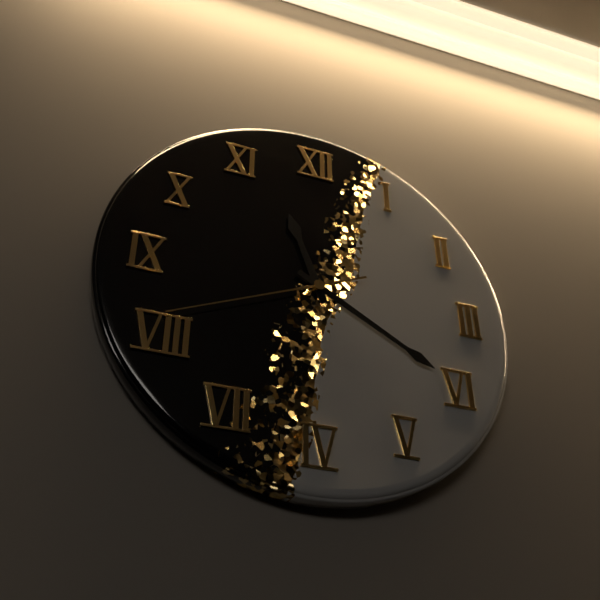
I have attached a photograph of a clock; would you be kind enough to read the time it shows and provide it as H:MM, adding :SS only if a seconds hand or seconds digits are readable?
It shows 11:20:41
